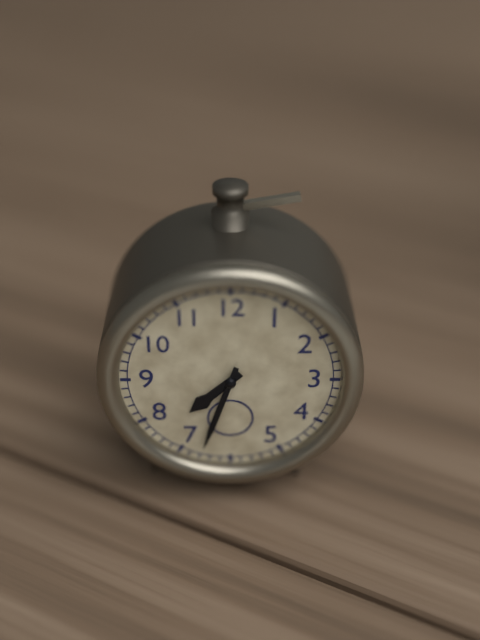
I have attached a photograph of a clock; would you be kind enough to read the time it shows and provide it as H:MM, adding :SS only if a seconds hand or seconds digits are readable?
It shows 7:33
